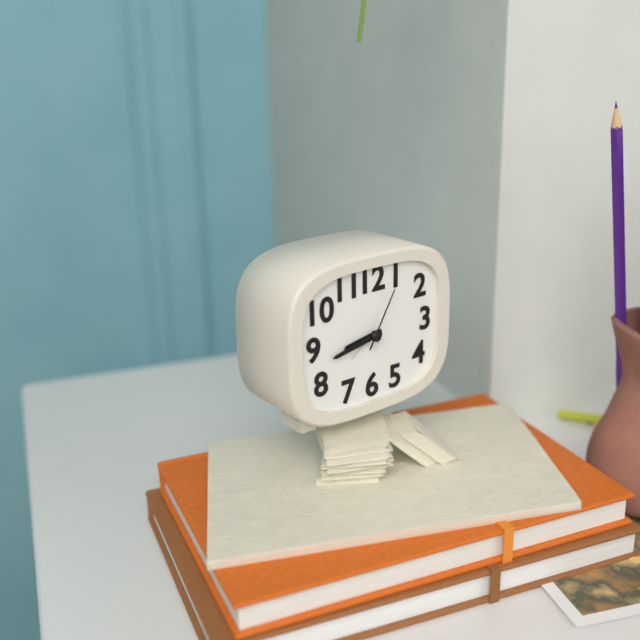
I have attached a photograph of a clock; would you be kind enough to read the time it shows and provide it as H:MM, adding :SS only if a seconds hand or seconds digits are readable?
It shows 8:43:05
